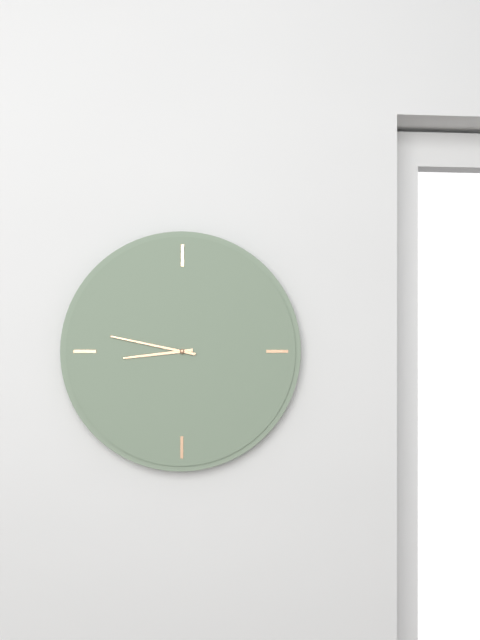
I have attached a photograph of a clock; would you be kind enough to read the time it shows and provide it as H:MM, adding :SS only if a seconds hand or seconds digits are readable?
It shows 8:47
